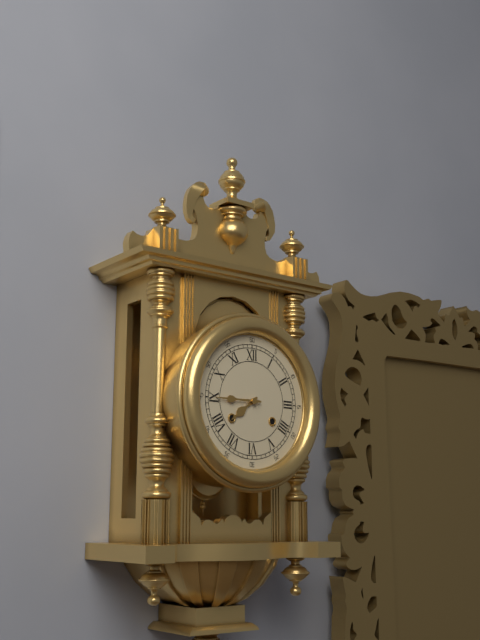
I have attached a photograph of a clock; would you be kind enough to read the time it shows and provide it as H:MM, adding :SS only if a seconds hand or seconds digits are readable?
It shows 7:45
